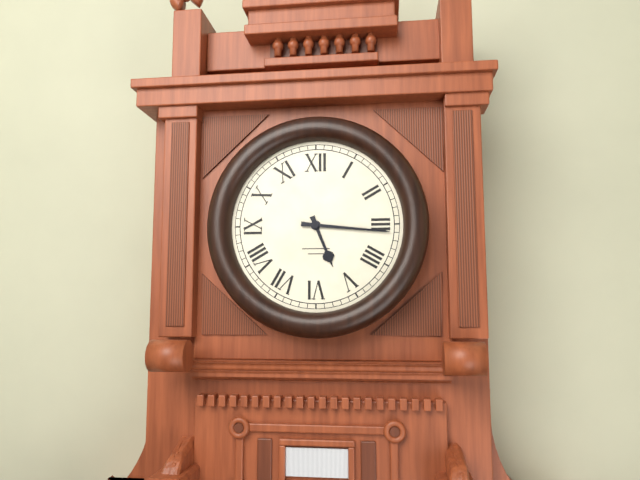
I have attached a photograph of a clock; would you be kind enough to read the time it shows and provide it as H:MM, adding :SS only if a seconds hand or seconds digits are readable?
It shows 5:16
